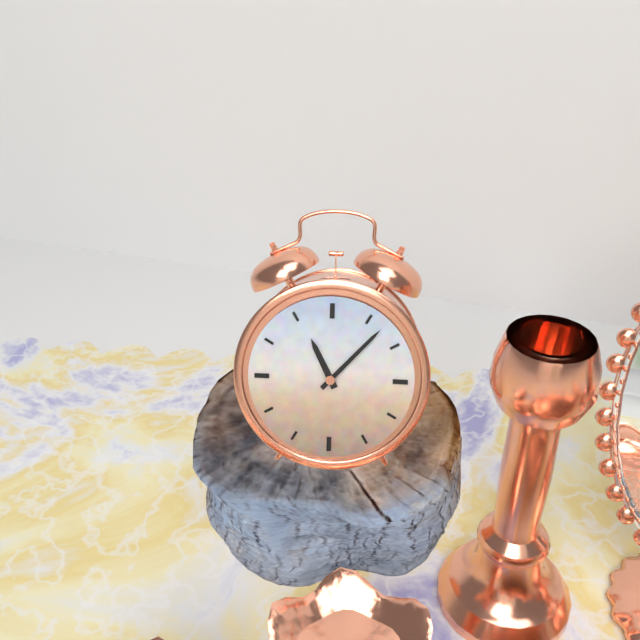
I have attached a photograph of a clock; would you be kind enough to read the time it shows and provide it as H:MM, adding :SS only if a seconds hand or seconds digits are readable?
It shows 11:07
